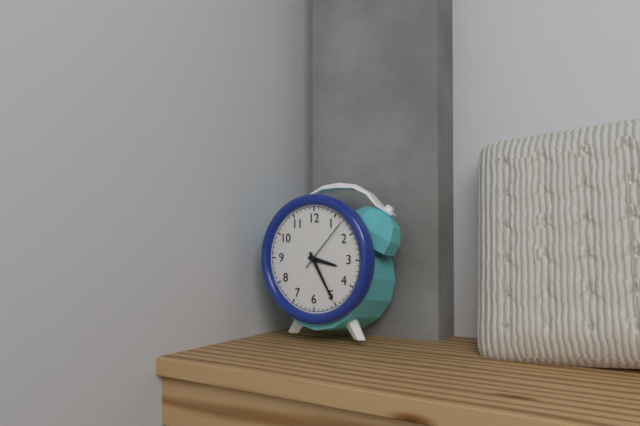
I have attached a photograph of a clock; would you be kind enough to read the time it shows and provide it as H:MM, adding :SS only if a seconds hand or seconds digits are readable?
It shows 3:25:07
